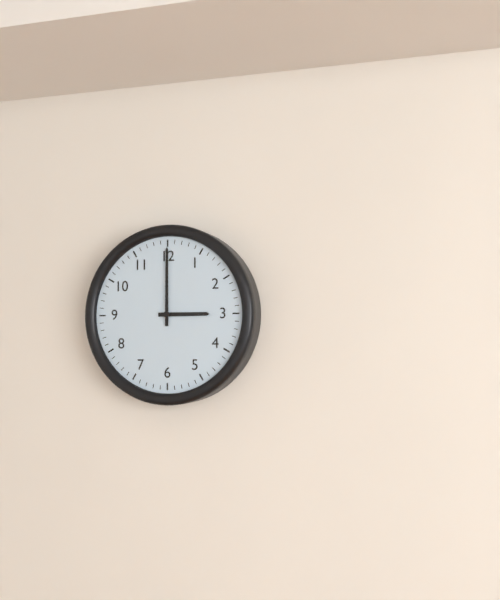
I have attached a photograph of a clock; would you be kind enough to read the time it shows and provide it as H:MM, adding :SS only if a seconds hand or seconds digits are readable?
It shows 3:00
